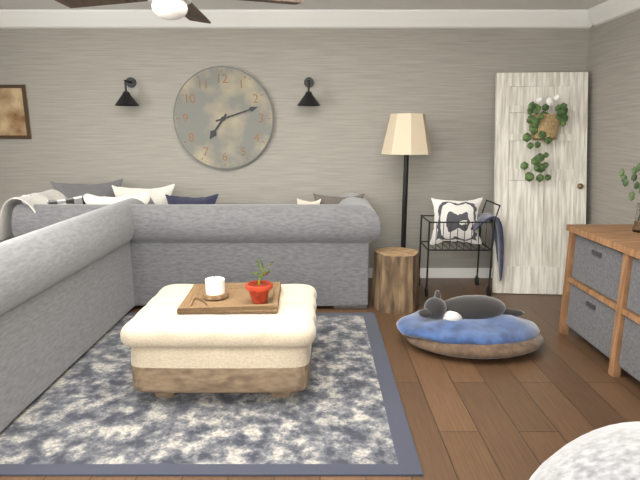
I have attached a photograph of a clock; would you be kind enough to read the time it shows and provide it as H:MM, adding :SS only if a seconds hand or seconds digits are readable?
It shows 7:12
